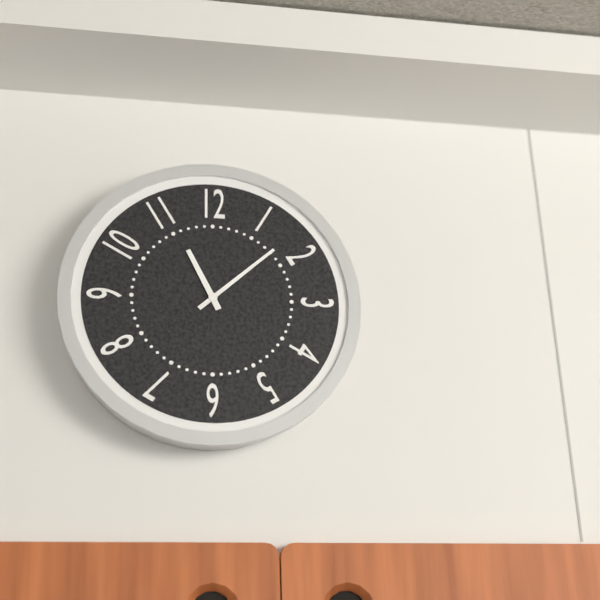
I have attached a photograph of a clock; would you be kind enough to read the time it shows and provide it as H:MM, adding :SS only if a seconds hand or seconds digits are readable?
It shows 11:08
